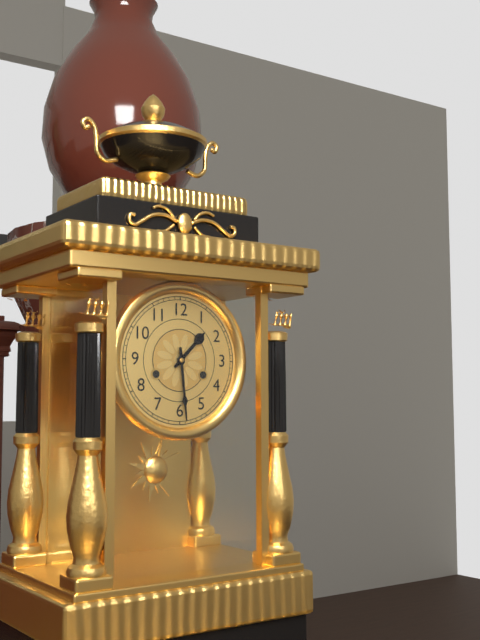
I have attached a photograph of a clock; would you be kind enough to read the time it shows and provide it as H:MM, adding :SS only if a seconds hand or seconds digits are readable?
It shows 1:29
